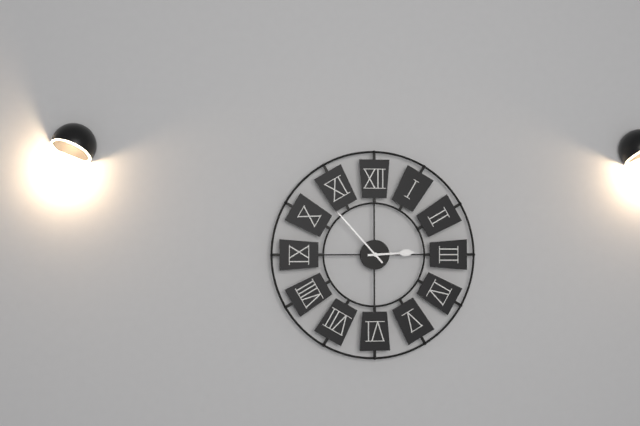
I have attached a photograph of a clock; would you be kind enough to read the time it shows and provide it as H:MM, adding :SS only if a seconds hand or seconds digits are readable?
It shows 2:53
